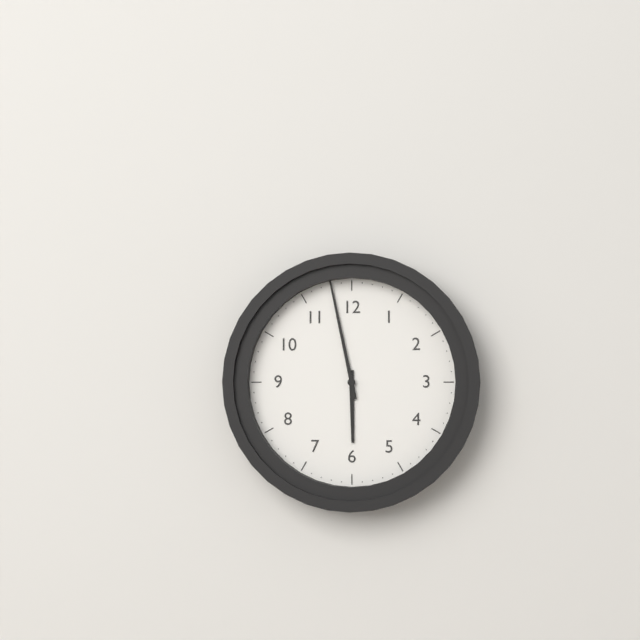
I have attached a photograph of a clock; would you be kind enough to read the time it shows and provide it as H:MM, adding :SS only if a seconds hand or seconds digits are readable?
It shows 5:58
